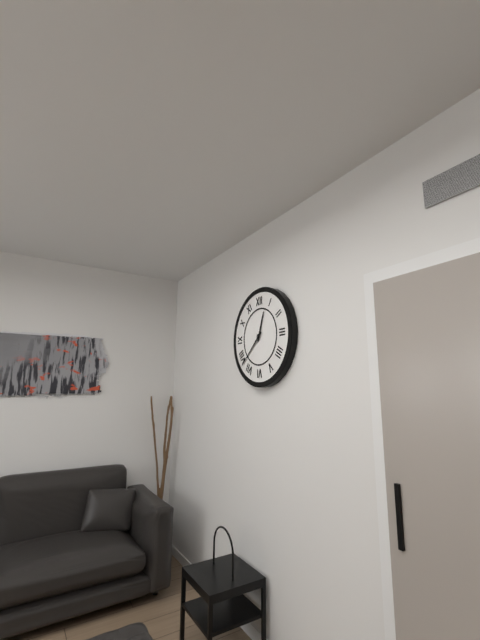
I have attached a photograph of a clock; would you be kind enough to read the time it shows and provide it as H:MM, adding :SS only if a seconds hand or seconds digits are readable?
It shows 12:38
